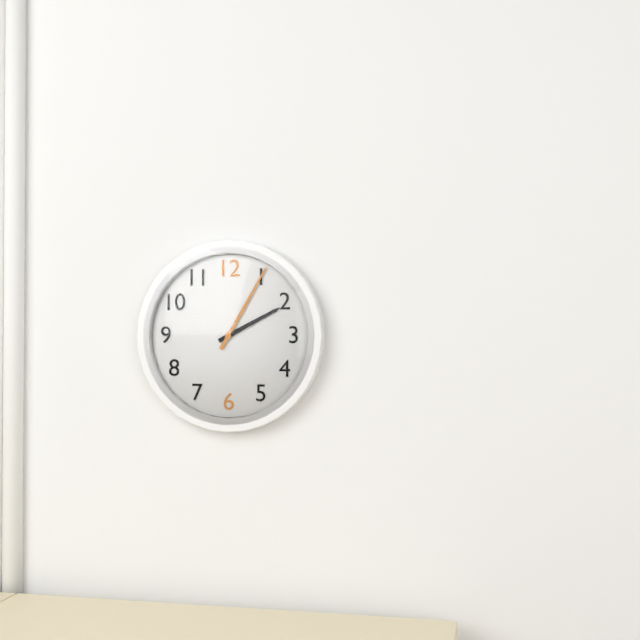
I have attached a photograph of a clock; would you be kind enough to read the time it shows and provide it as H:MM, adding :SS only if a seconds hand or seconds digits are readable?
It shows 2:05
